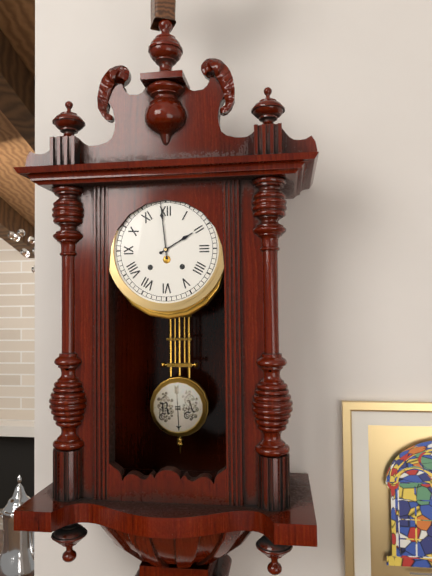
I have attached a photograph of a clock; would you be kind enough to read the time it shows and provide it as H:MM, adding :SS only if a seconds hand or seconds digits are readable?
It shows 1:59
